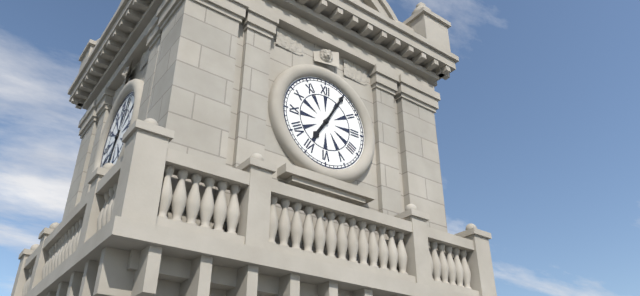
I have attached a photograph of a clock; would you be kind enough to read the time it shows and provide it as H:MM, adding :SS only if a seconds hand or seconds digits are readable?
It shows 7:05
